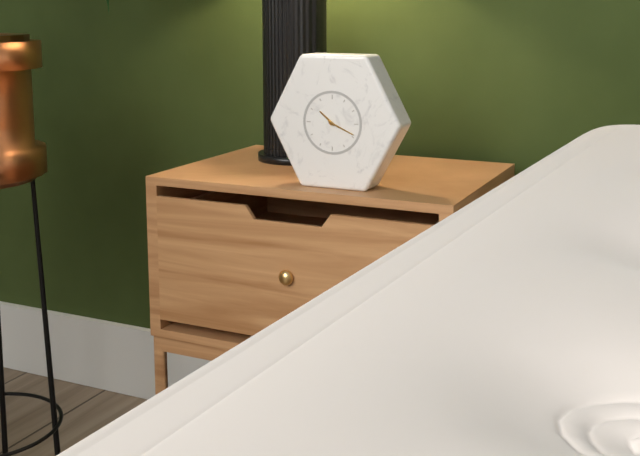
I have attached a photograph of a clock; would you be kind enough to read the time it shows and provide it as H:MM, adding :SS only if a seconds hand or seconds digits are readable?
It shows 10:19
